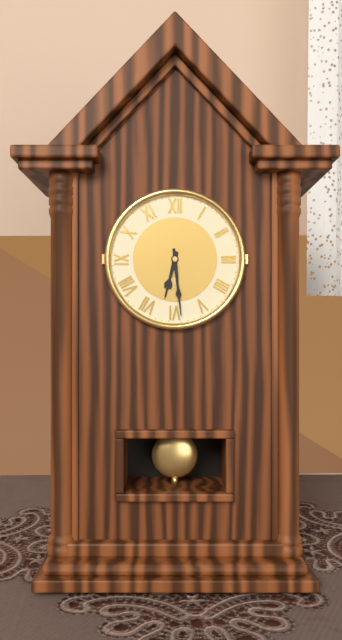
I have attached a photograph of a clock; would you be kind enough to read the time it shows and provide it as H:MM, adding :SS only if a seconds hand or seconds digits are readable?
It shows 6:29
